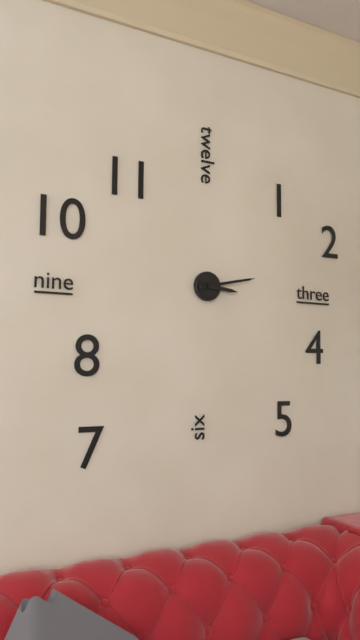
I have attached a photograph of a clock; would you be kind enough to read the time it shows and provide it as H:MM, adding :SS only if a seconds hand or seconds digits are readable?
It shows 3:13
